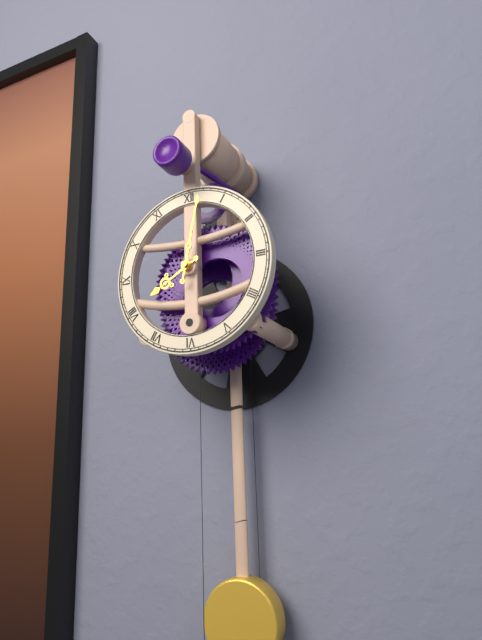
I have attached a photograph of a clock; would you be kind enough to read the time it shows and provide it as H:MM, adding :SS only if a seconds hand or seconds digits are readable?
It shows 8:02
